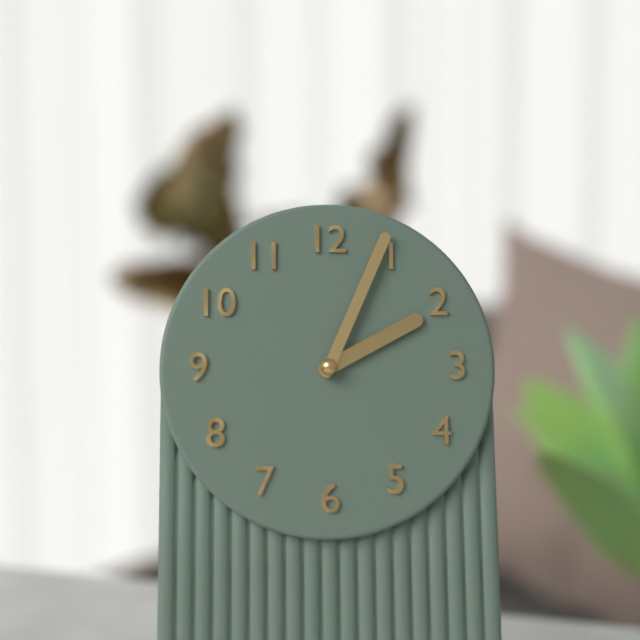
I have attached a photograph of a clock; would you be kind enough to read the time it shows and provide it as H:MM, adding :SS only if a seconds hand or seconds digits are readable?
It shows 2:04
